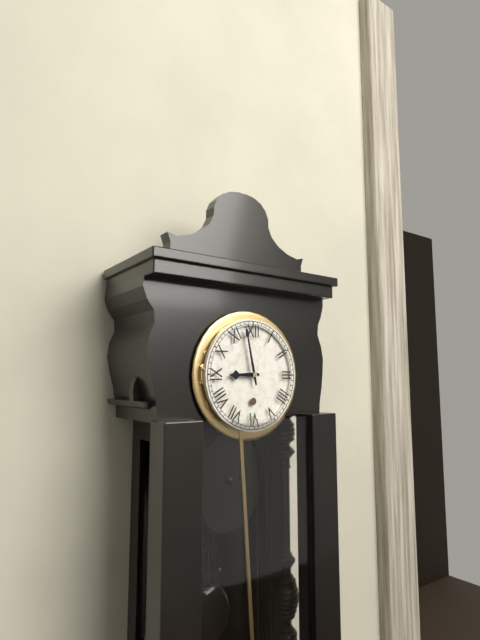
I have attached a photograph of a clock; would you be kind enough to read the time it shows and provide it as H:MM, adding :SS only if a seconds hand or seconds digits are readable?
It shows 8:58
